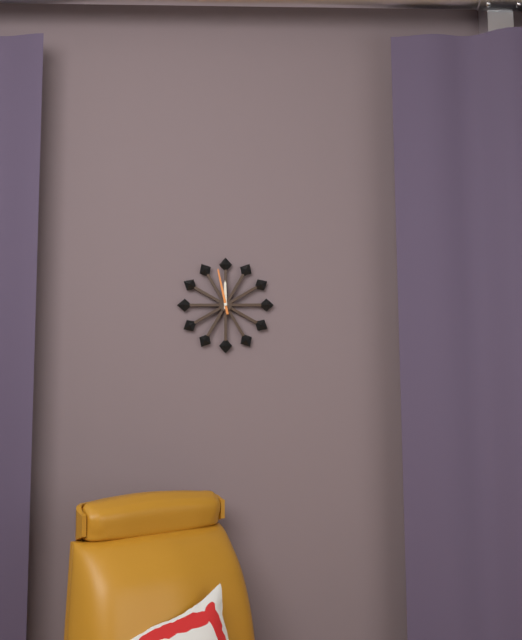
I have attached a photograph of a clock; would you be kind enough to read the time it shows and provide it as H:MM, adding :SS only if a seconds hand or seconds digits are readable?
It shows 11:58
